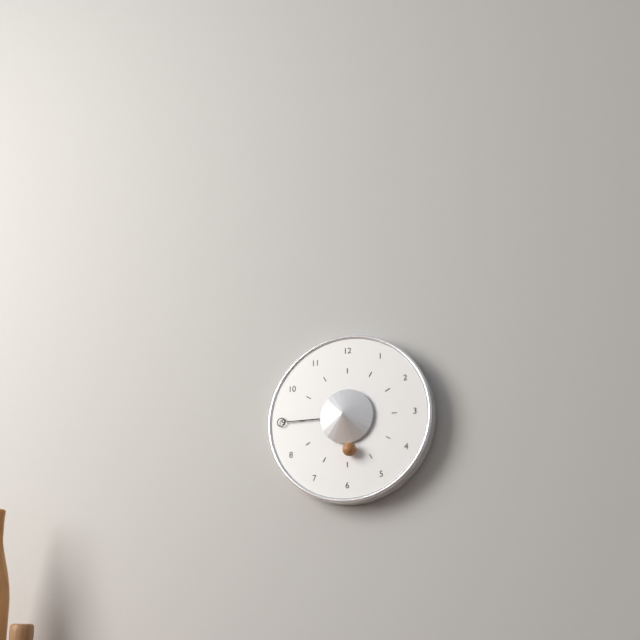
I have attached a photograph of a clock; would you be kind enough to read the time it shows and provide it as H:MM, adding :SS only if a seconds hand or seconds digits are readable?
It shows 5:45
